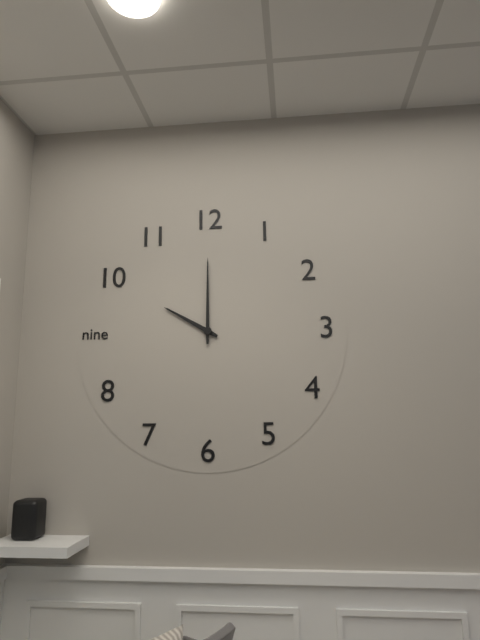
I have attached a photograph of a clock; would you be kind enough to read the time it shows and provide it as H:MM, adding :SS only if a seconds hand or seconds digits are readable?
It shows 10:00
